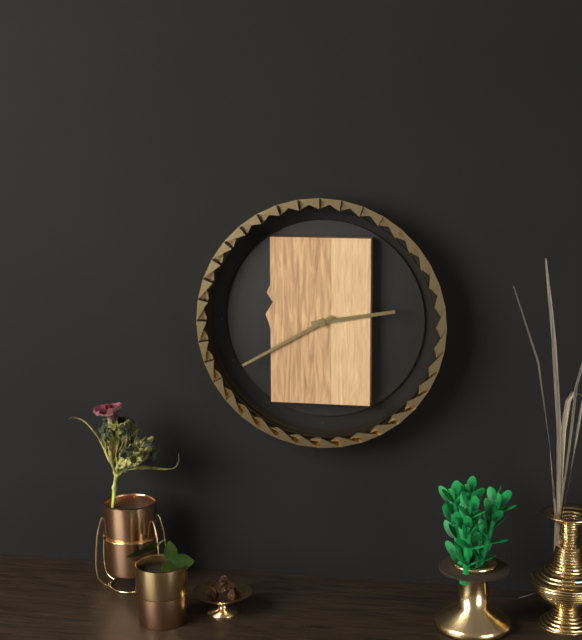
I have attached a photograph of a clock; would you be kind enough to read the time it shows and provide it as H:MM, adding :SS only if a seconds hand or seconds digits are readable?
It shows 2:40
